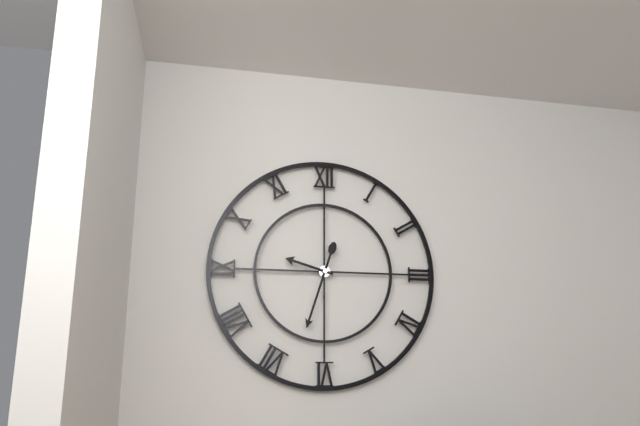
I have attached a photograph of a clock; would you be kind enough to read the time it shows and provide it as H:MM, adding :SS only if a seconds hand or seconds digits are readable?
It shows 9:33
